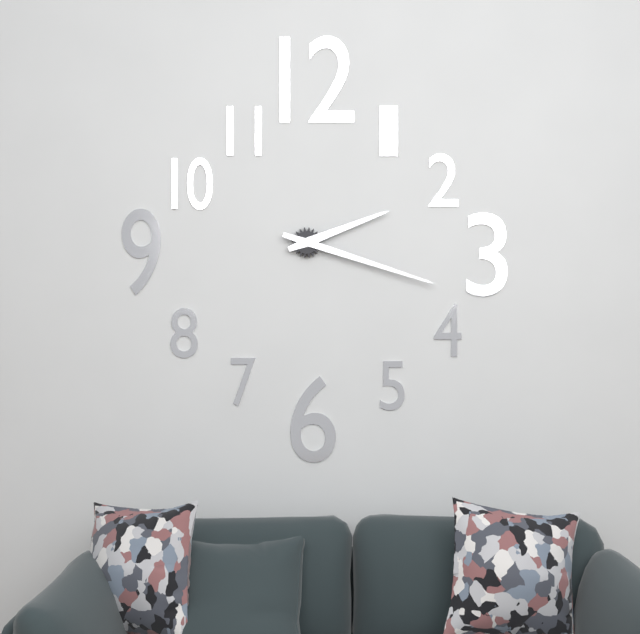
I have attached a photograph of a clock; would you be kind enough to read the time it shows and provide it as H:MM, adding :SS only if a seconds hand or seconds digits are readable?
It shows 2:18
